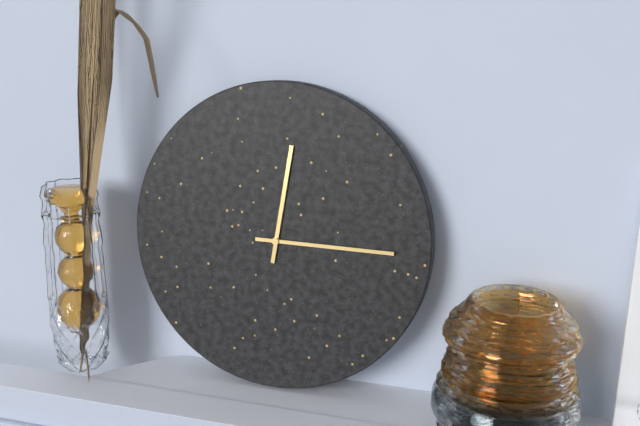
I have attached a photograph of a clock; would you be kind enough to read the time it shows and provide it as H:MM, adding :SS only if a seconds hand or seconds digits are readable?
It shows 12:15
